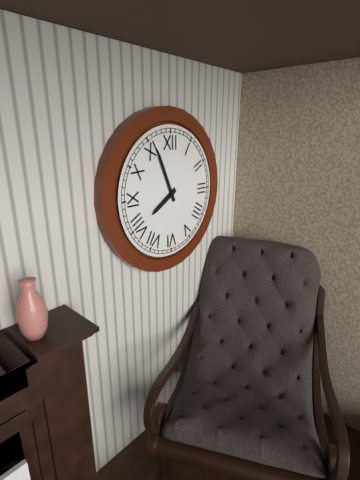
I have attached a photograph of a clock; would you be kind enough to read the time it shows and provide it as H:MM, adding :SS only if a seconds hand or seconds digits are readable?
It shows 7:56
